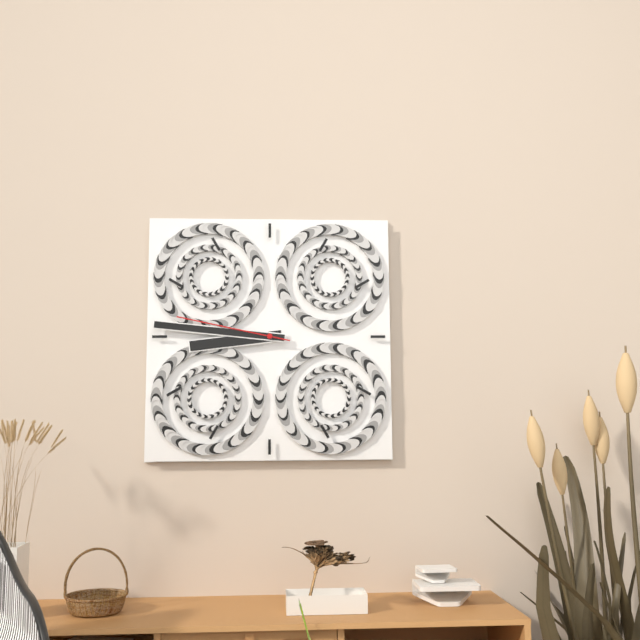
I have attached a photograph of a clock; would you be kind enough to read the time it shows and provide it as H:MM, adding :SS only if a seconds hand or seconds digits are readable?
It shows 8:46:47
